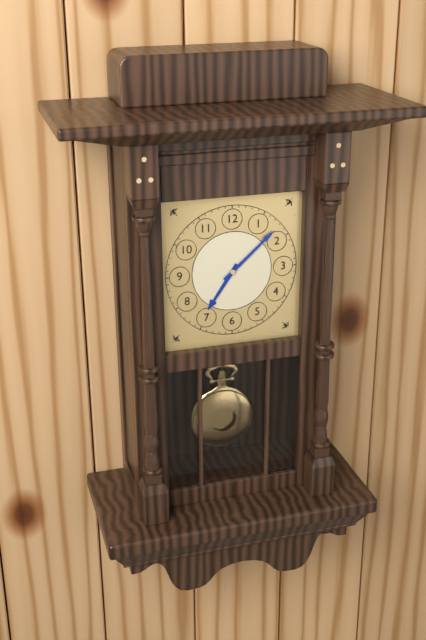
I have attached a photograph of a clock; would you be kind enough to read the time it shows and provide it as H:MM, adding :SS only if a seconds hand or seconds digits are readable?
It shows 7:08
